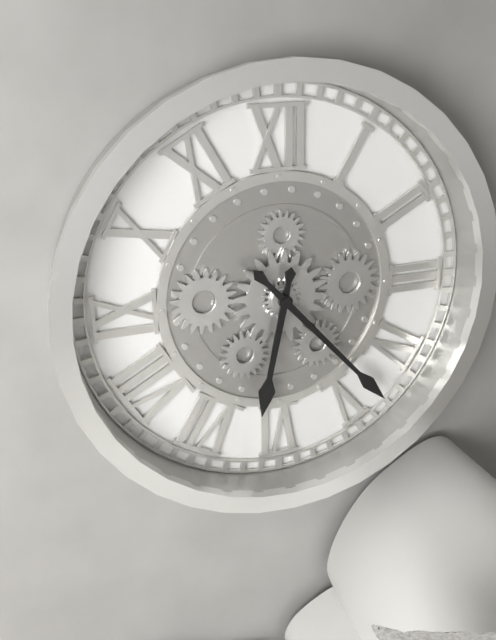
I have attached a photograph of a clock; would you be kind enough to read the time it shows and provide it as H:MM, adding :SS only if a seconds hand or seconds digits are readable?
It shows 6:23
